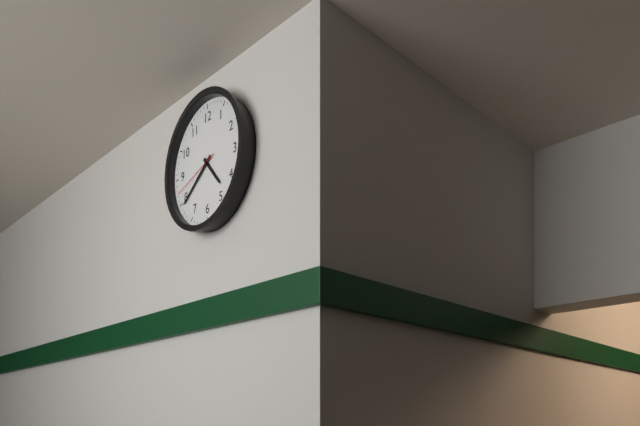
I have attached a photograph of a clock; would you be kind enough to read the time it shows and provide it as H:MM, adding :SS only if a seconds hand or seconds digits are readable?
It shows 4:39:42
